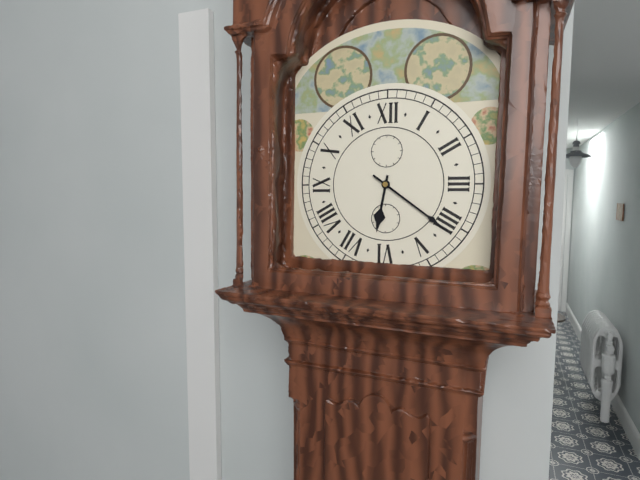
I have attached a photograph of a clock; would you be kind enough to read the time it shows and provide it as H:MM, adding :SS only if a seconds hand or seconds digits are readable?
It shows 6:21
